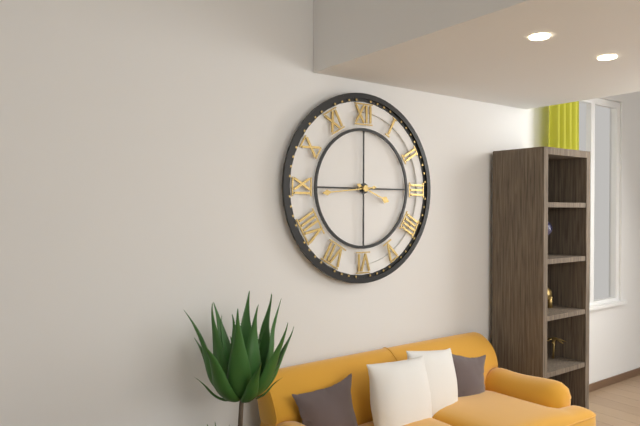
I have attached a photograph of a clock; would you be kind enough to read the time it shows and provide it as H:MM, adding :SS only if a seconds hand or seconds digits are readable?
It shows 3:44
